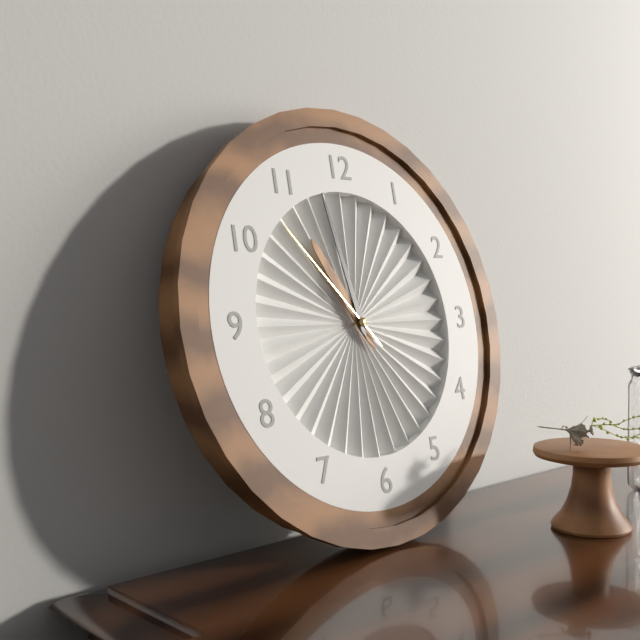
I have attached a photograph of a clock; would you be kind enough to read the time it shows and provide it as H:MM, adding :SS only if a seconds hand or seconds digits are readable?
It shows 10:58:53
